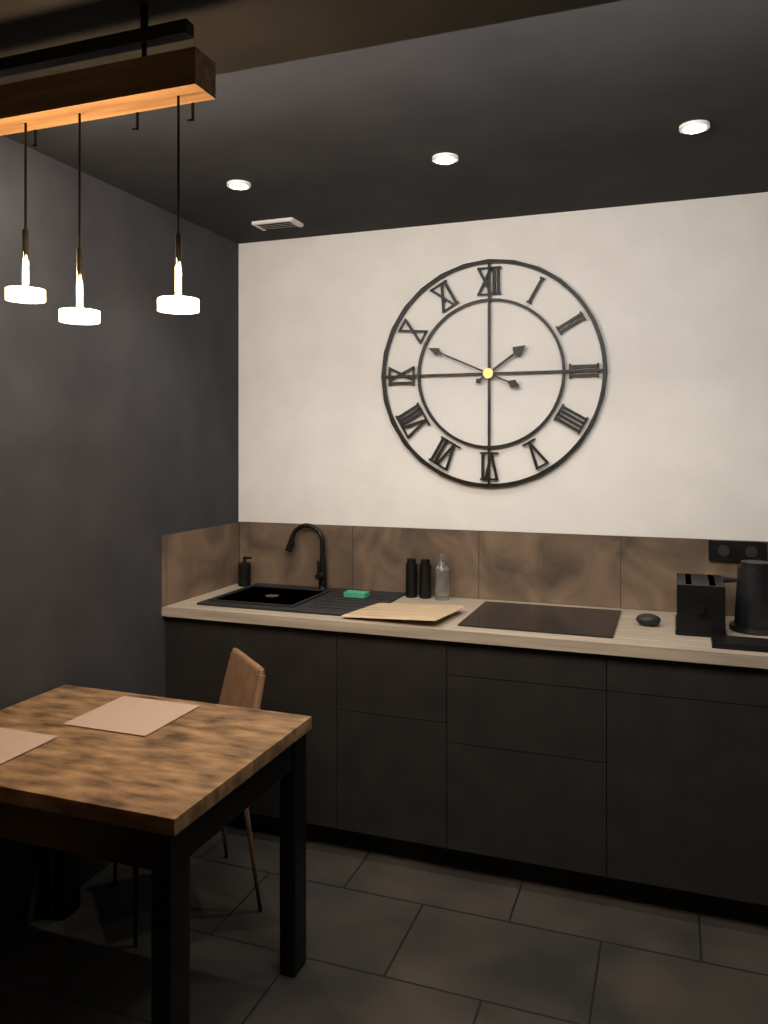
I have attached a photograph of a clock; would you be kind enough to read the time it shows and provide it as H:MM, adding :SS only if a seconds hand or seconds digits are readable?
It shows 1:49
